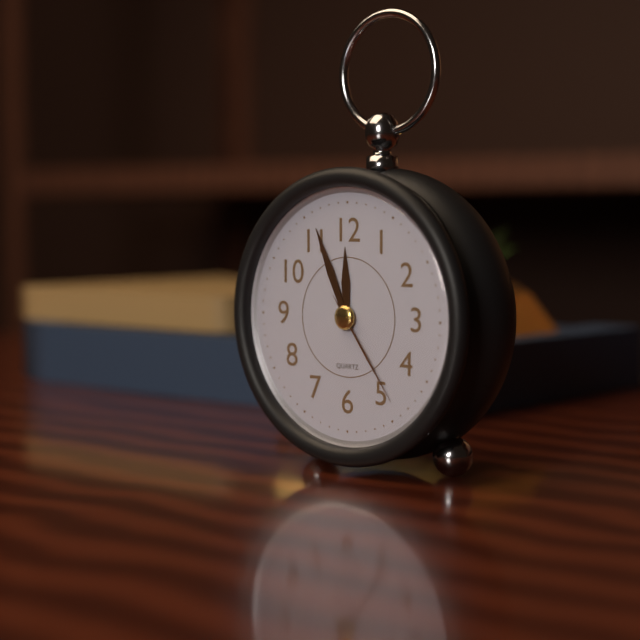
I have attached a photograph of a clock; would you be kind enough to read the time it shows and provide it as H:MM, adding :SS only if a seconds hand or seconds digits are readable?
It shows 11:56:24
